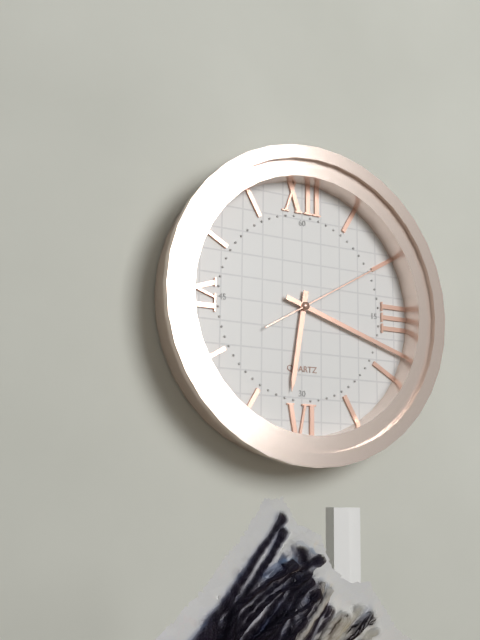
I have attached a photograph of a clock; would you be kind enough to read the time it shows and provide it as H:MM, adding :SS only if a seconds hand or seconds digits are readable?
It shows 6:18:10
